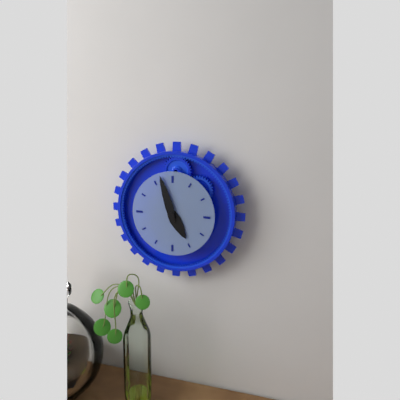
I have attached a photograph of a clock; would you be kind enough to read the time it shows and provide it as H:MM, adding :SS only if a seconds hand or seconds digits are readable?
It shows 4:57
